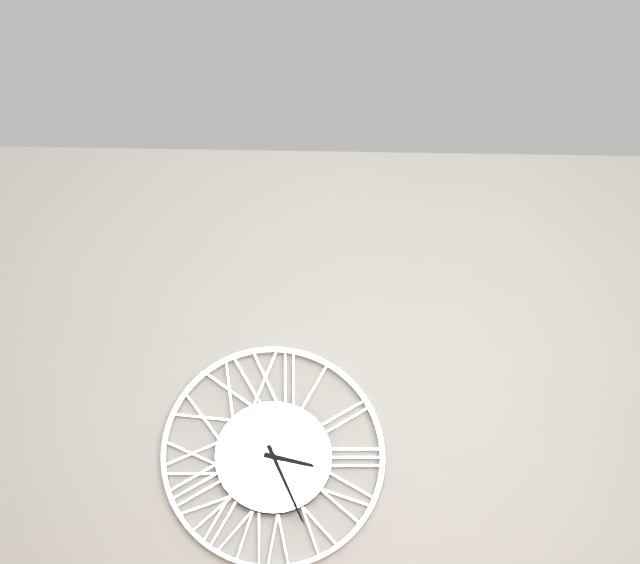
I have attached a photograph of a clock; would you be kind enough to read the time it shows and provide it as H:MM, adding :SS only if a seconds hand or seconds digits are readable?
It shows 3:26
